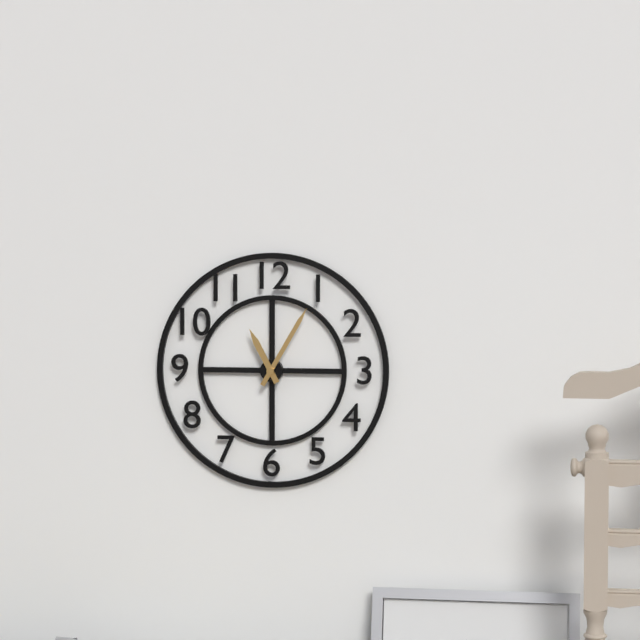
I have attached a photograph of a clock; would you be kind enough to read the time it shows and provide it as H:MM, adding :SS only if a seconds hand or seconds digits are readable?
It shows 11:05
